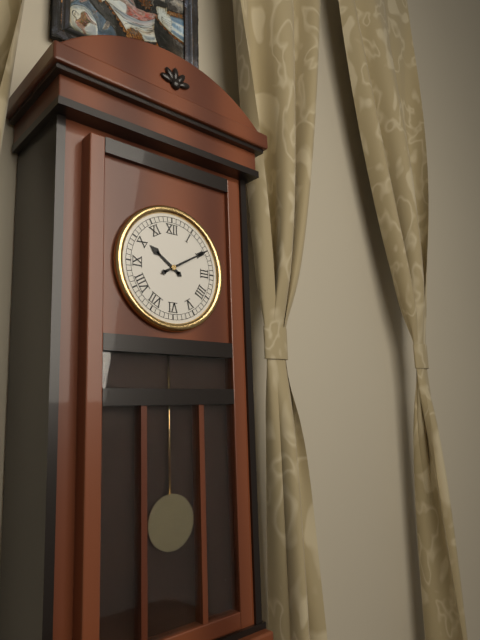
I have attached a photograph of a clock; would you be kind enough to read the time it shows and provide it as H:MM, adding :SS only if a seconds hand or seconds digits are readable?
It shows 10:10
